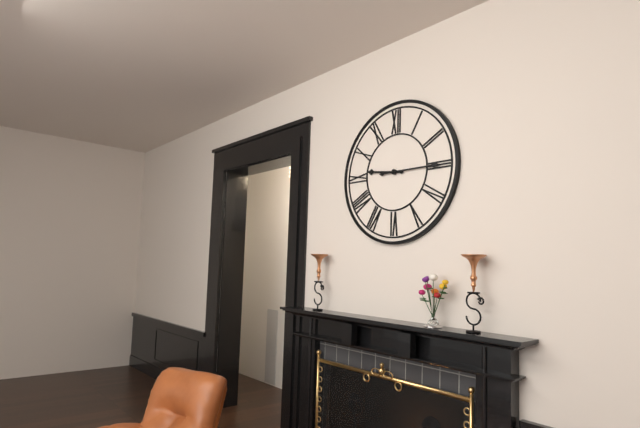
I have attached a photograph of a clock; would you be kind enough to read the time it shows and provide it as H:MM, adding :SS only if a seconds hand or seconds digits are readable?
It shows 9:15
